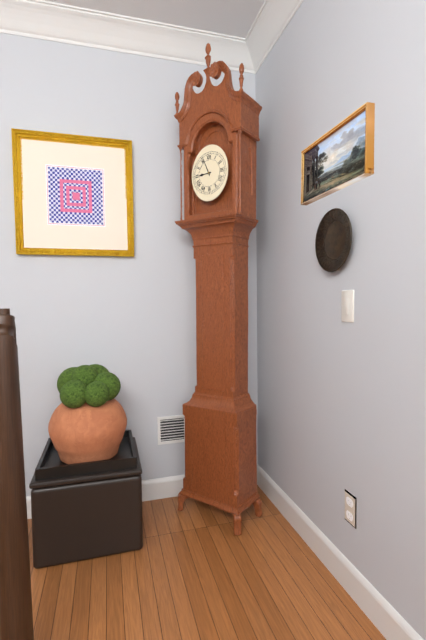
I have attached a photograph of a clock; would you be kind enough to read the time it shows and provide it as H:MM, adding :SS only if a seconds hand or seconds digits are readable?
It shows 8:56
